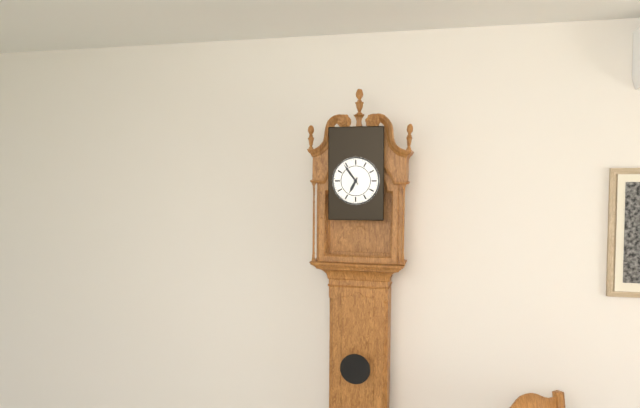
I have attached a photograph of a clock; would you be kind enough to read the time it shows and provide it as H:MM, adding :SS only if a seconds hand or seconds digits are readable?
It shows 6:54
